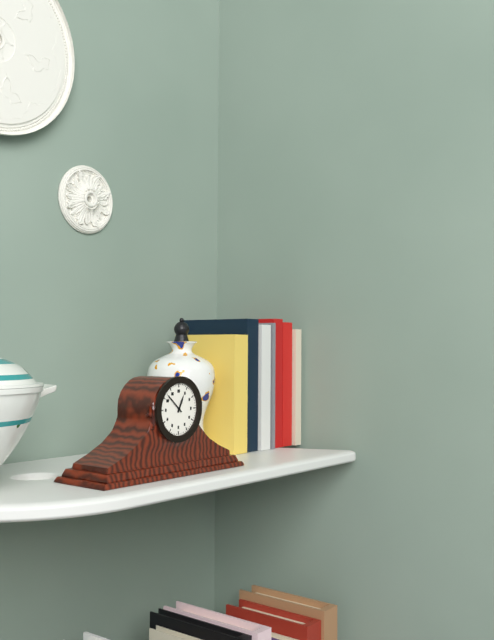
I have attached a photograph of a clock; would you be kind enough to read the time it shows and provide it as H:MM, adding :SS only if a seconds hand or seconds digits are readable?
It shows 12:52
